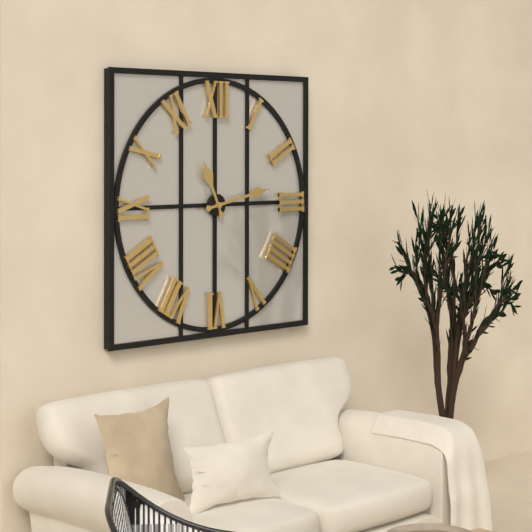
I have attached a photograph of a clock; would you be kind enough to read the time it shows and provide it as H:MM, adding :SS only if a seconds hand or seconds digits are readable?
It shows 11:13
